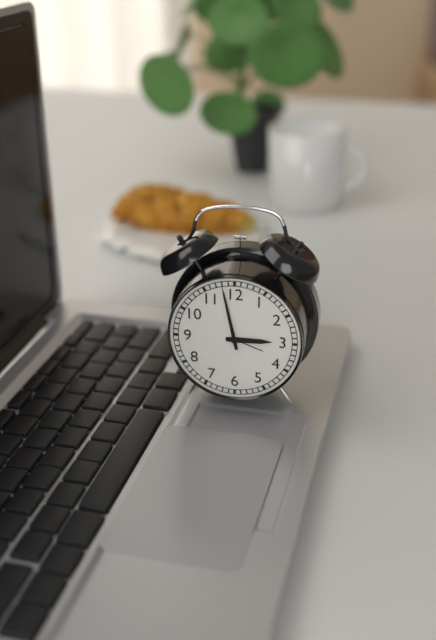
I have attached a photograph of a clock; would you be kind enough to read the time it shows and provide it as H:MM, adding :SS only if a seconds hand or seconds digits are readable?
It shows 2:58
